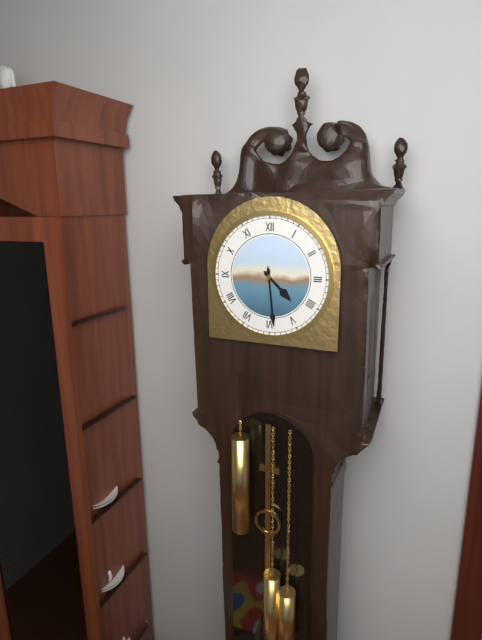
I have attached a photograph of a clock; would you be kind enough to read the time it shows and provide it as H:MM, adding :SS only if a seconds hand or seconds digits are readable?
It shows 4:29
